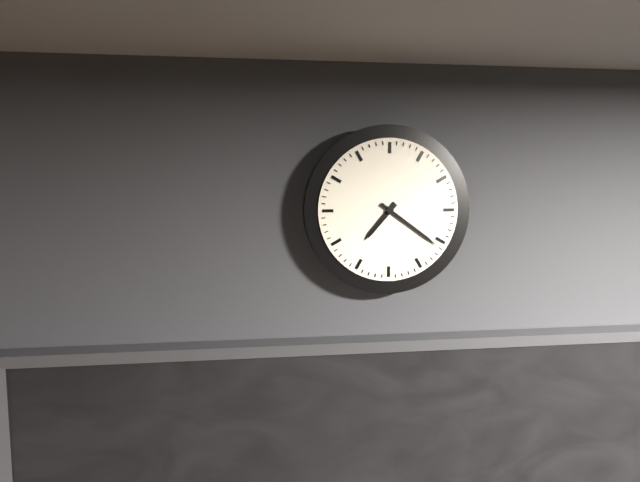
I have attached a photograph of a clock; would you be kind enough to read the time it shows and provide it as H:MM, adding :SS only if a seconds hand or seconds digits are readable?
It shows 7:21
